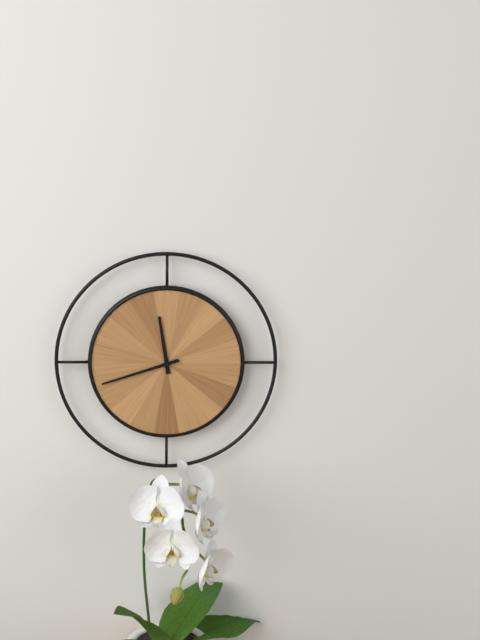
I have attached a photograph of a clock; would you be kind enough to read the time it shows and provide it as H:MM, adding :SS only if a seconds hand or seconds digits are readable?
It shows 11:42
